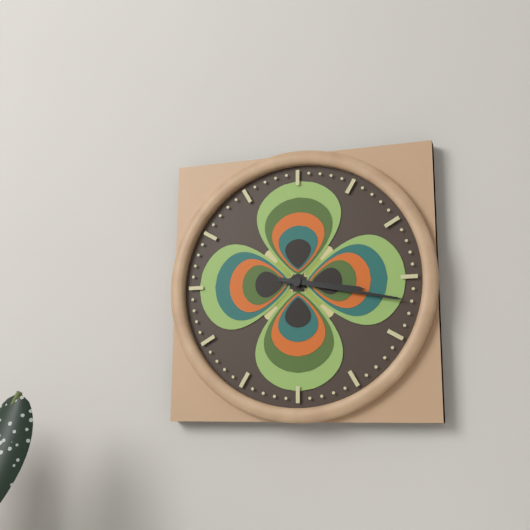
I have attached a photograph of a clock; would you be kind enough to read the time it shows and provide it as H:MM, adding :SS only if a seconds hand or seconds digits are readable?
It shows 3:17
